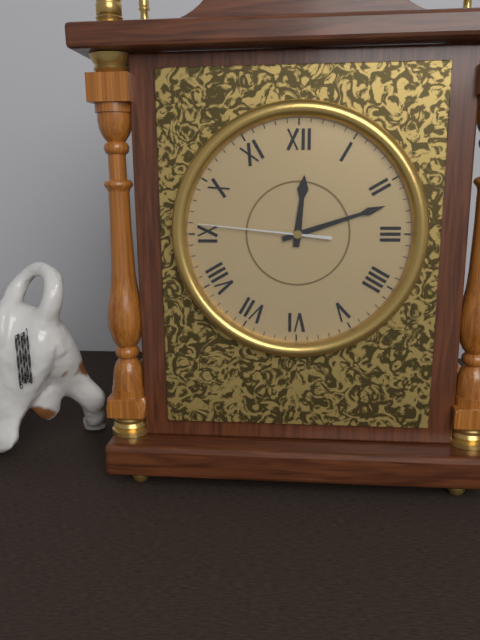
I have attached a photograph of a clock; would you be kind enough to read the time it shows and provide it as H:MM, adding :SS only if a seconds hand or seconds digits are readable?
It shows 12:12:46
